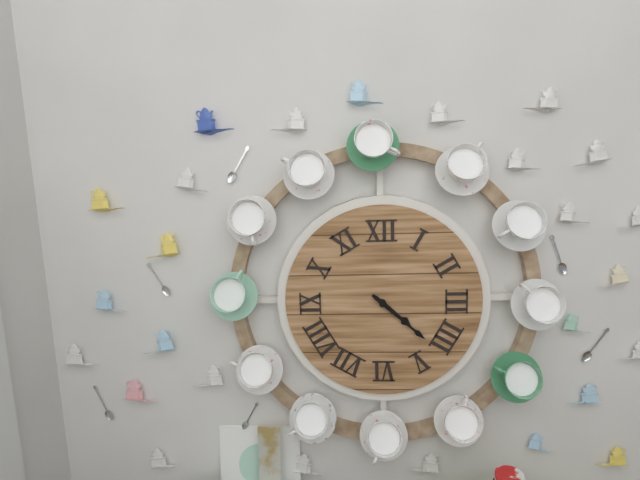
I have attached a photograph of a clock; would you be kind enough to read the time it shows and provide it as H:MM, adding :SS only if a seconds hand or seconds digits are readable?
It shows 4:22
